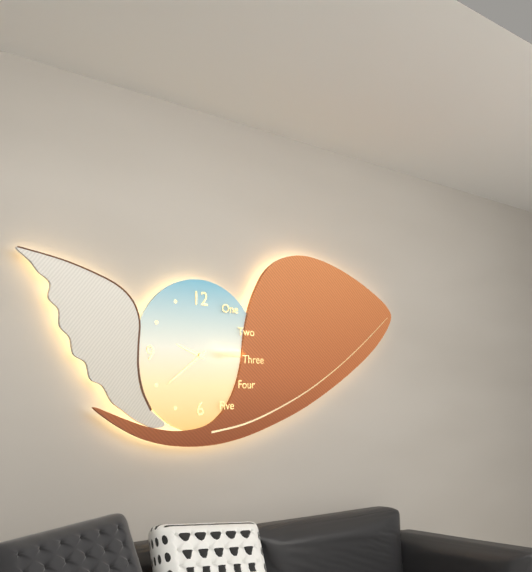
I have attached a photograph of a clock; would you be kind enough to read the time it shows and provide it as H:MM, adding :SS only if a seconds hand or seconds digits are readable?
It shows 9:39
